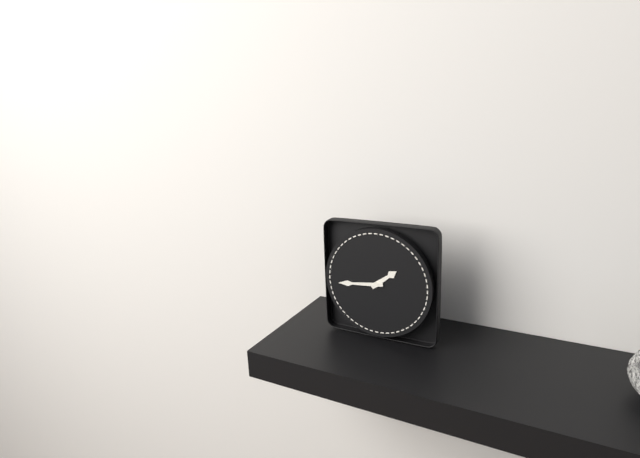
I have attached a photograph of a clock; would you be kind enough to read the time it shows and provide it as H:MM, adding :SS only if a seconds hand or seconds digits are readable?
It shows 1:44
